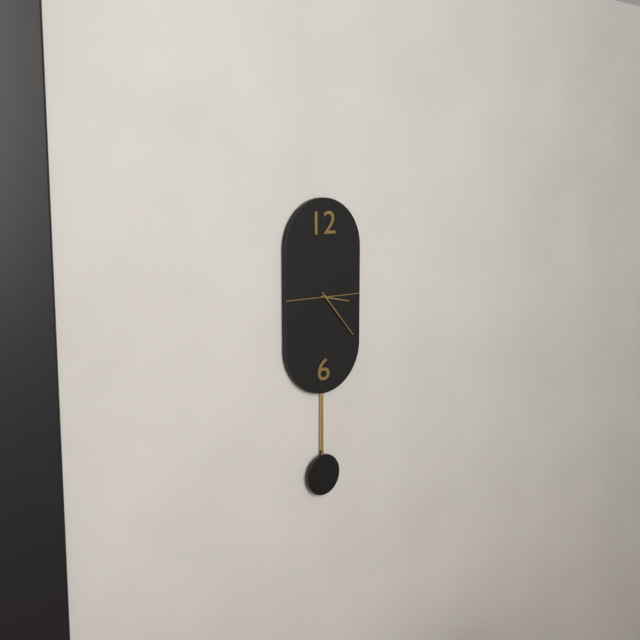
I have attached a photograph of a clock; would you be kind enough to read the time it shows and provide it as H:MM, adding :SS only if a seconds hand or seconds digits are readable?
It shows 3:23
